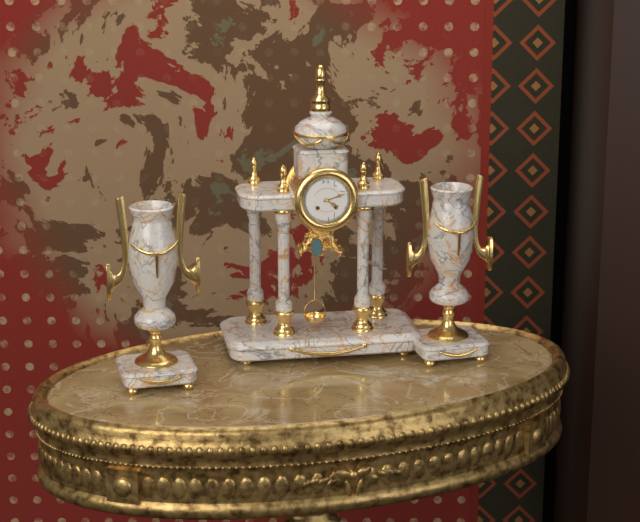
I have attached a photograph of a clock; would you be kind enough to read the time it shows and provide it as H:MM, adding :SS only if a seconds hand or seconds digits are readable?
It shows 4:12
